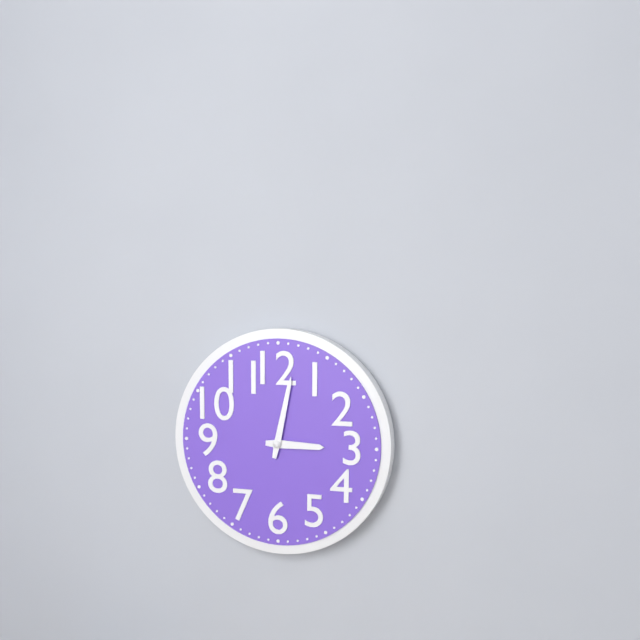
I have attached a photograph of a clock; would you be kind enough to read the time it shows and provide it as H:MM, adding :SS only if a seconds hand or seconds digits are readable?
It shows 3:02
